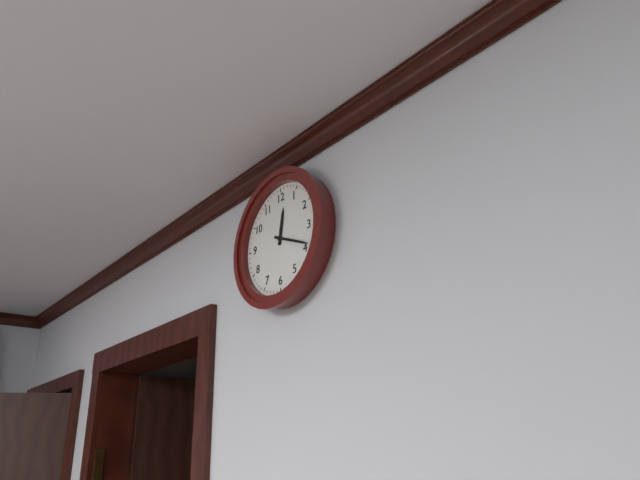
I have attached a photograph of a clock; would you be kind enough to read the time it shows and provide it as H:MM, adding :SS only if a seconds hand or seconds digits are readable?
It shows 12:19
